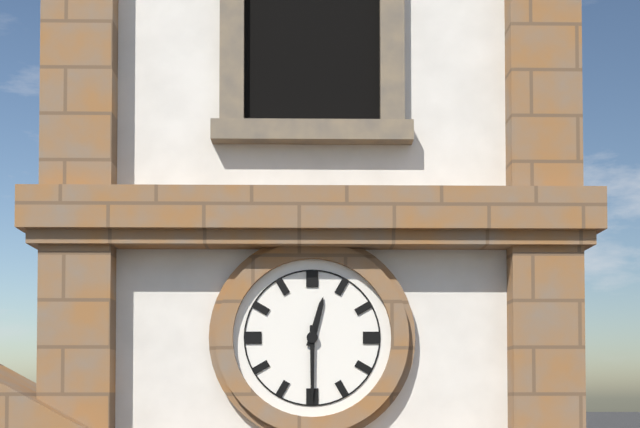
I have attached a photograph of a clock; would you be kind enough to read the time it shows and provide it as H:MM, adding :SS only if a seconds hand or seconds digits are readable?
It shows 12:30
